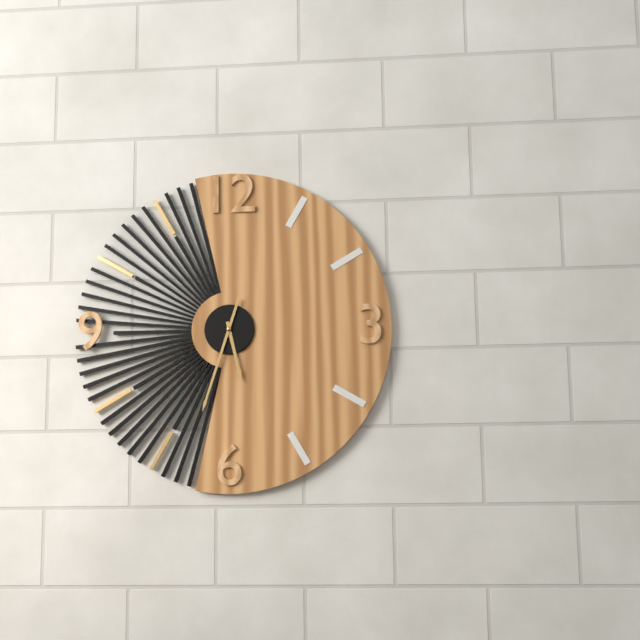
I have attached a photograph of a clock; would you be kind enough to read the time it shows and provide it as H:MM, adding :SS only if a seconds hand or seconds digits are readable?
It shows 5:33
